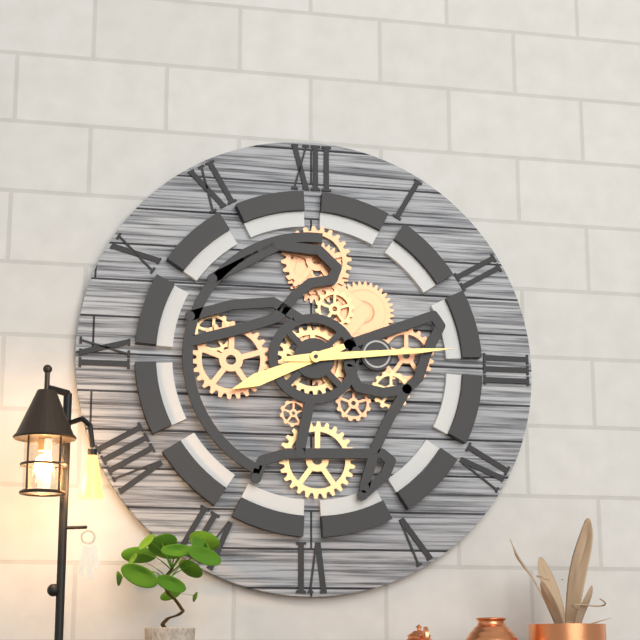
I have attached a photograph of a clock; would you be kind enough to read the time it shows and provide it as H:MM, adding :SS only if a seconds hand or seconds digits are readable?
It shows 8:14
